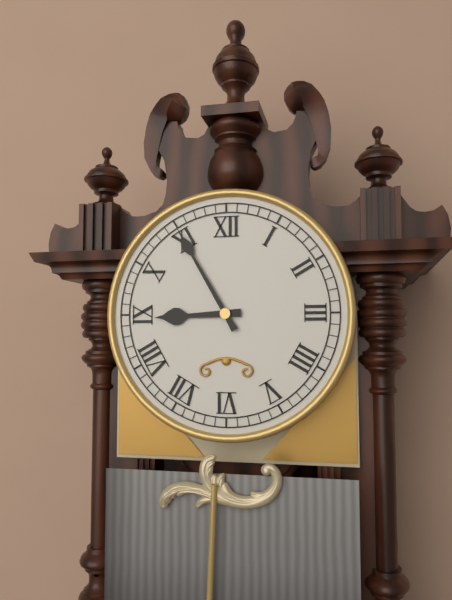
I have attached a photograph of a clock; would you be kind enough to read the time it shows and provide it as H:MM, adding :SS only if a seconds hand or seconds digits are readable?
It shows 8:55
